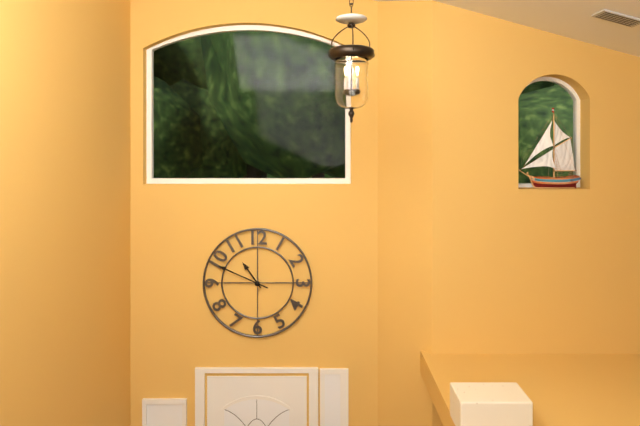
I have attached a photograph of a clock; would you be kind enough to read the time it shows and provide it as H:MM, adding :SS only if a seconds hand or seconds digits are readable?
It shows 10:49
